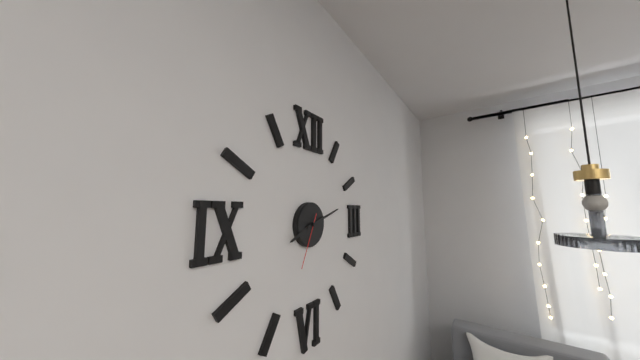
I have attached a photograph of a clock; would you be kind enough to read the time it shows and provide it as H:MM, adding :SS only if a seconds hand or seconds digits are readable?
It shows 8:12:34
